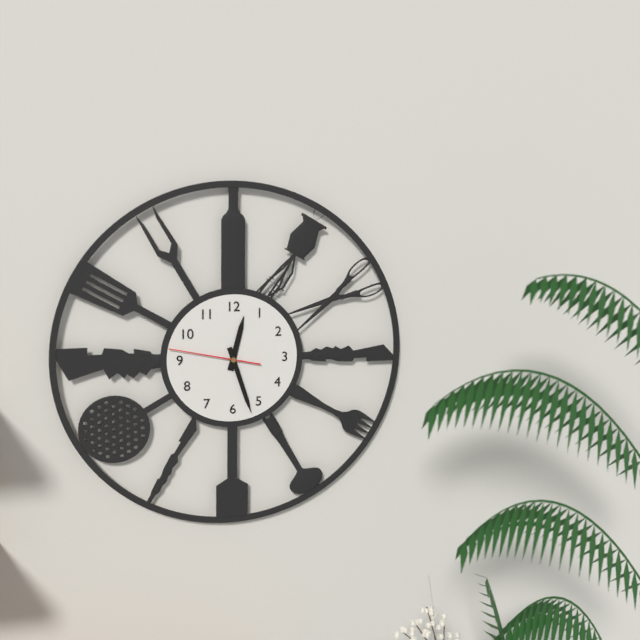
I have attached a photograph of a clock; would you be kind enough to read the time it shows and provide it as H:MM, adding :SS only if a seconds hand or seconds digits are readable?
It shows 12:27:47
